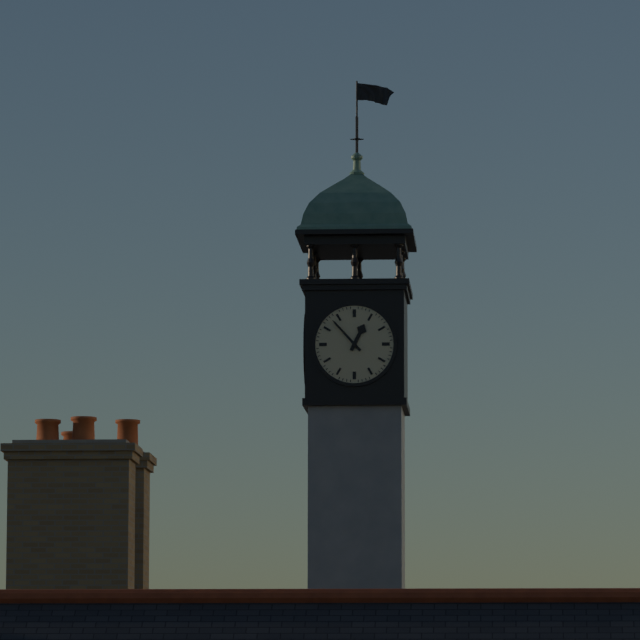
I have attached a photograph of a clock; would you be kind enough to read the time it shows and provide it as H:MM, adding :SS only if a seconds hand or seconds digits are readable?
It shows 12:53
